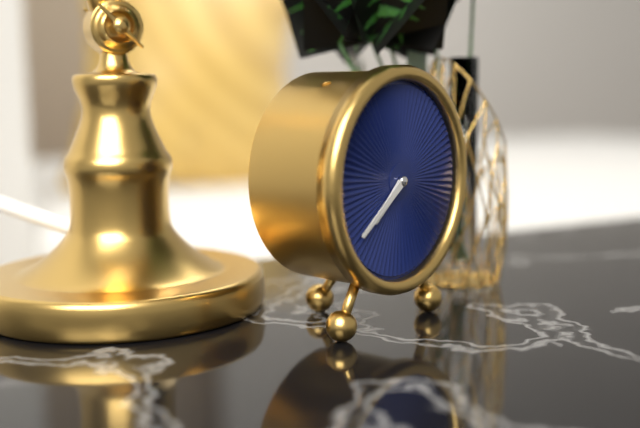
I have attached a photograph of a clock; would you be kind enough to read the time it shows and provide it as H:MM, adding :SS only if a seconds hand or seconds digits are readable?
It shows 7:39
